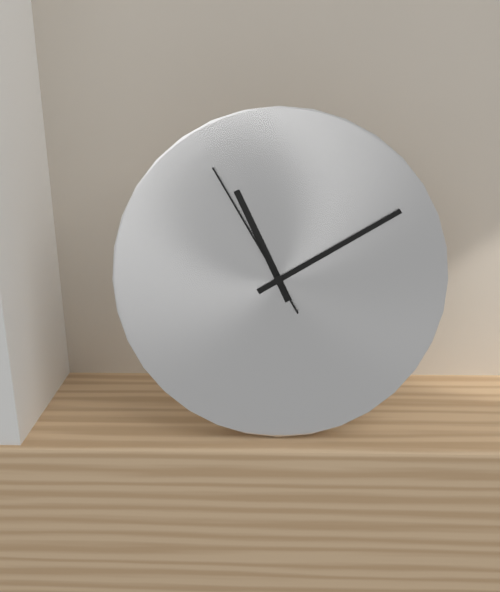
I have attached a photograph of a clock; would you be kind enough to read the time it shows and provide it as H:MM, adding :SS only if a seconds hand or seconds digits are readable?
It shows 11:10:55
